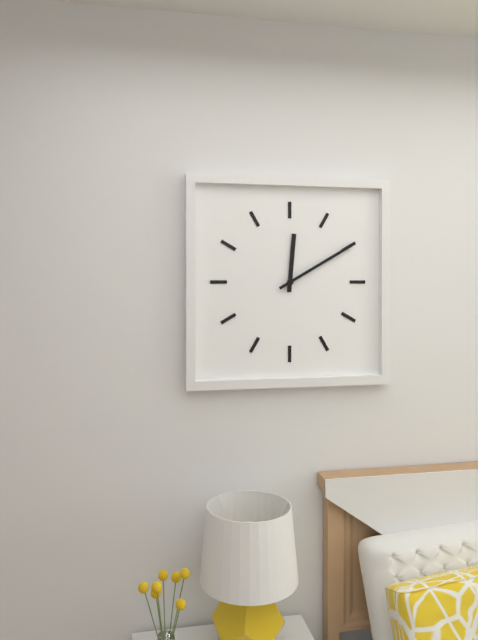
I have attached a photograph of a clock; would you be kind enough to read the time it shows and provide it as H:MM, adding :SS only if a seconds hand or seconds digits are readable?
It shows 12:10
